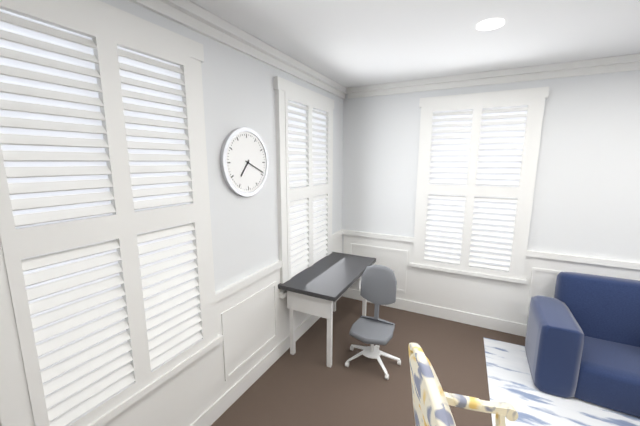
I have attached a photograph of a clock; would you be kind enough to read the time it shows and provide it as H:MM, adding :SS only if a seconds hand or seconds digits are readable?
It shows 7:19
